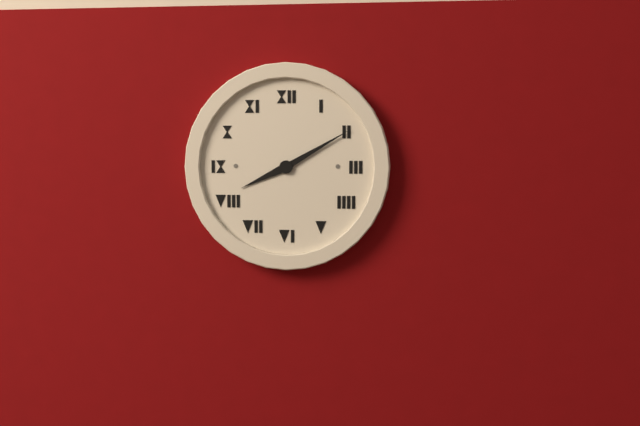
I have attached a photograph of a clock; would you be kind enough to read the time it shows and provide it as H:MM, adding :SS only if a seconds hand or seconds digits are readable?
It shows 8:10
